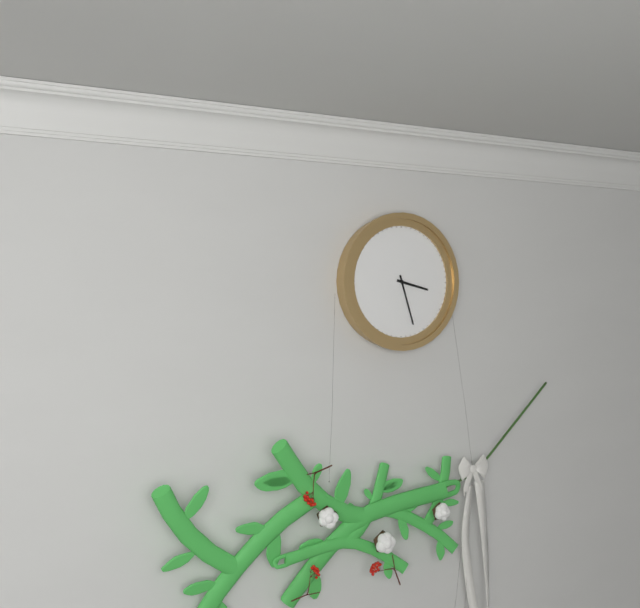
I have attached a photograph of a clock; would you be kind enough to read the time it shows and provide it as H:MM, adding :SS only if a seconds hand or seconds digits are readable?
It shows 3:27
